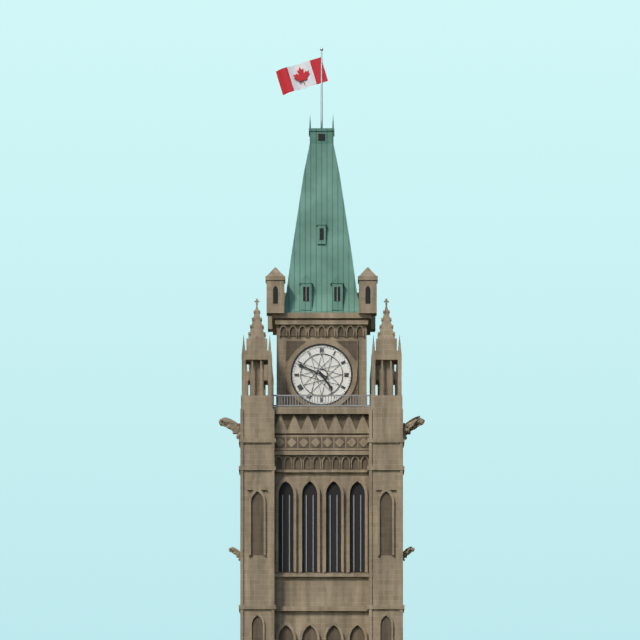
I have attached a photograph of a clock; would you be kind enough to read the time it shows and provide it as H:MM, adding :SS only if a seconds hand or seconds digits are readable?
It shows 4:49
